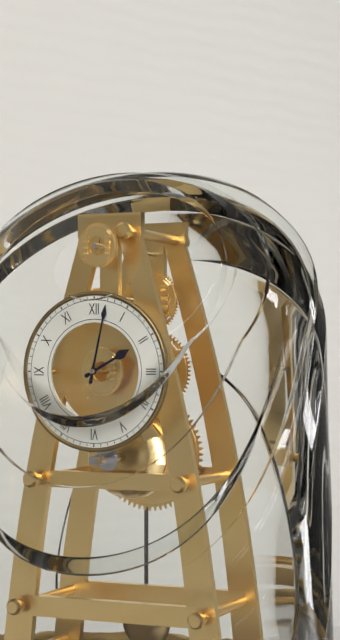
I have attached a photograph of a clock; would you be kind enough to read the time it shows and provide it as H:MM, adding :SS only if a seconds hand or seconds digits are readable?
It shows 2:02
